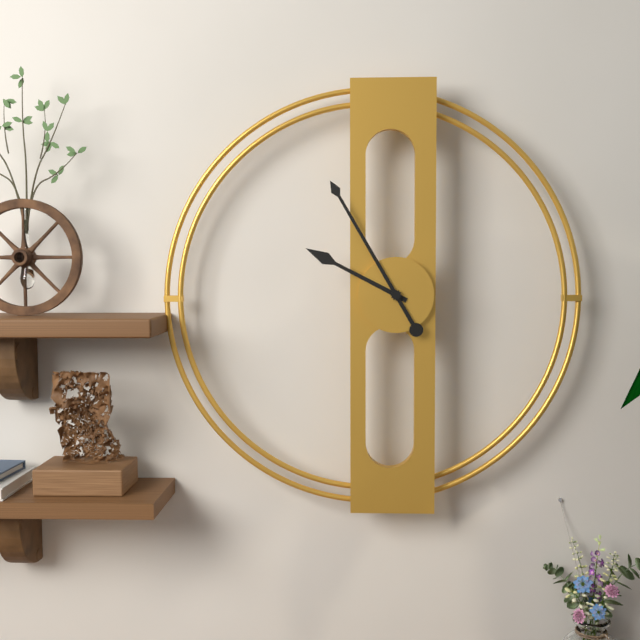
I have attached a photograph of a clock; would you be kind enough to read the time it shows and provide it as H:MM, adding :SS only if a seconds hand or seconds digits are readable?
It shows 9:55
